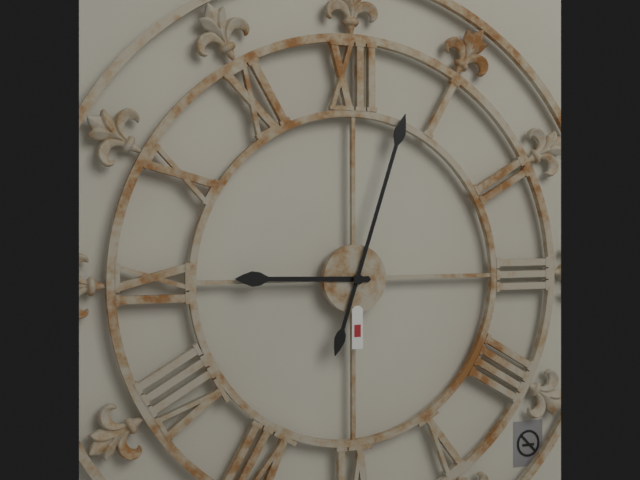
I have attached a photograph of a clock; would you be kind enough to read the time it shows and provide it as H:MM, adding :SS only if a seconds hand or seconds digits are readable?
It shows 9:03
